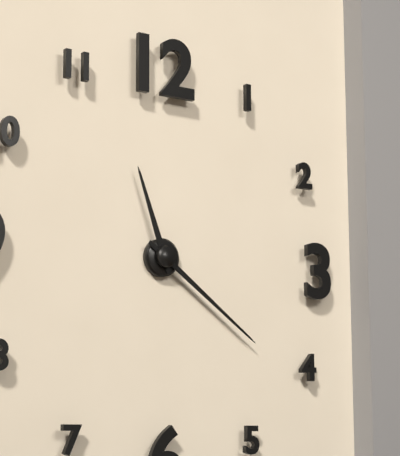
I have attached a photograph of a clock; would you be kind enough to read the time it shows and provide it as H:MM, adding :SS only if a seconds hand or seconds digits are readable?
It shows 11:21
